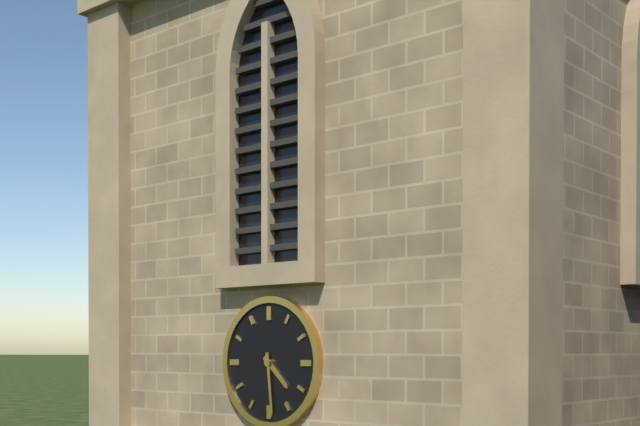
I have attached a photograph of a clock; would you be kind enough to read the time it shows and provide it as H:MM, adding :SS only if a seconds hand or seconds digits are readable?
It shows 4:29
